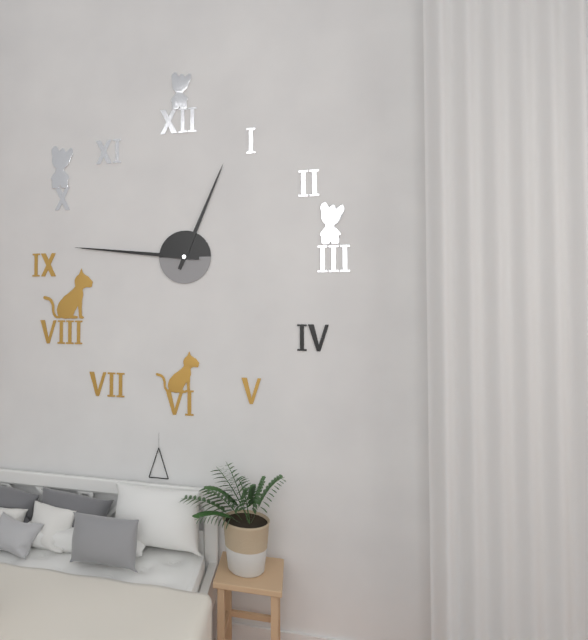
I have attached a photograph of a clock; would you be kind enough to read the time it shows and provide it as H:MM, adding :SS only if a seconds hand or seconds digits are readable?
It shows 12:46
